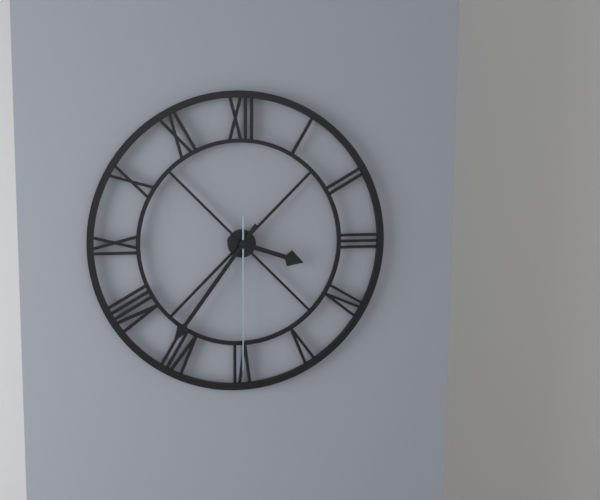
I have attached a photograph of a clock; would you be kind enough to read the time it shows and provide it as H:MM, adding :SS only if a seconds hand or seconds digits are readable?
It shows 3:36:30
